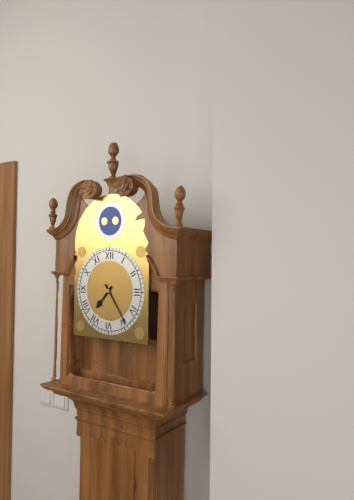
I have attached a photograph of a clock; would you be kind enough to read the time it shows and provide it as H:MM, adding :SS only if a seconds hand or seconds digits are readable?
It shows 7:24
